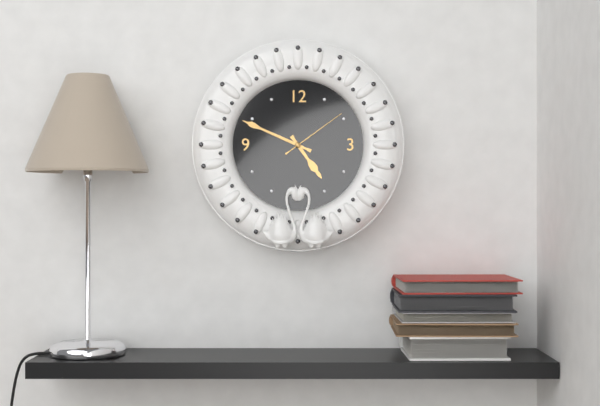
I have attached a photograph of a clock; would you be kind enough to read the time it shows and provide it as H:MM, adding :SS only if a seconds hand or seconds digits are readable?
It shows 4:49:09
